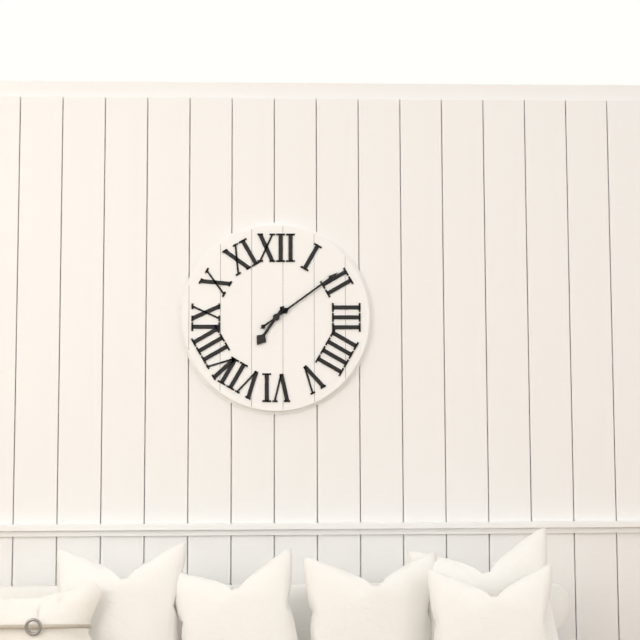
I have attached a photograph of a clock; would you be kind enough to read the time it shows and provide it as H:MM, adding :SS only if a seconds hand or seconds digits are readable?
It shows 7:09
